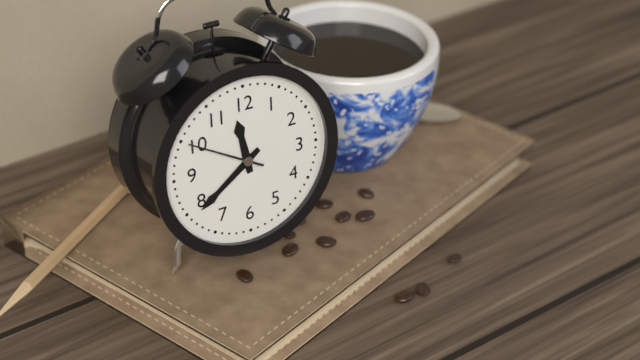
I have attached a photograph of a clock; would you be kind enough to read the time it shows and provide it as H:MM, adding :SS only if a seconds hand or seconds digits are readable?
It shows 11:39:50
